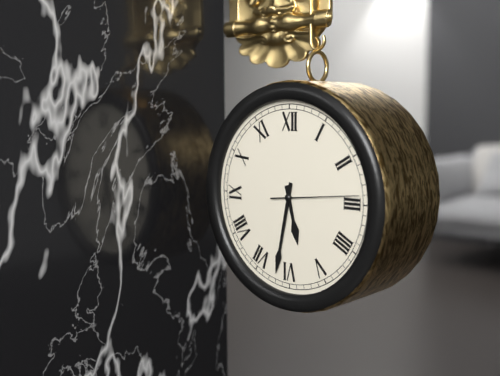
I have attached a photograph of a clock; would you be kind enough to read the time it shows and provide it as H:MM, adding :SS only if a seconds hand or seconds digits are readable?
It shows 5:32:14
